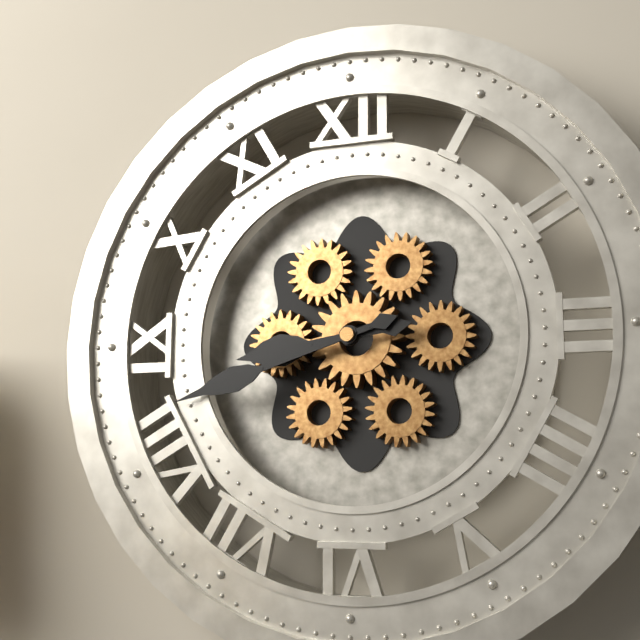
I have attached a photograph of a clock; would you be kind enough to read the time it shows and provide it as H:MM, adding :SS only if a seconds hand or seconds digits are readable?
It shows 8:42
